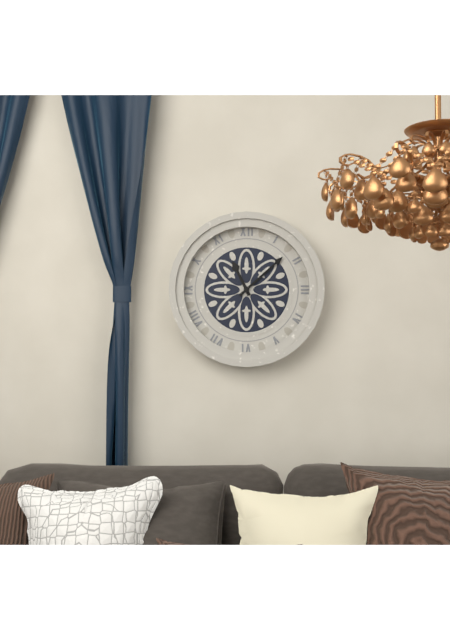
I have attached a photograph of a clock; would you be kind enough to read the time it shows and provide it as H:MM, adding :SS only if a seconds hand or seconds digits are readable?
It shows 11:08
